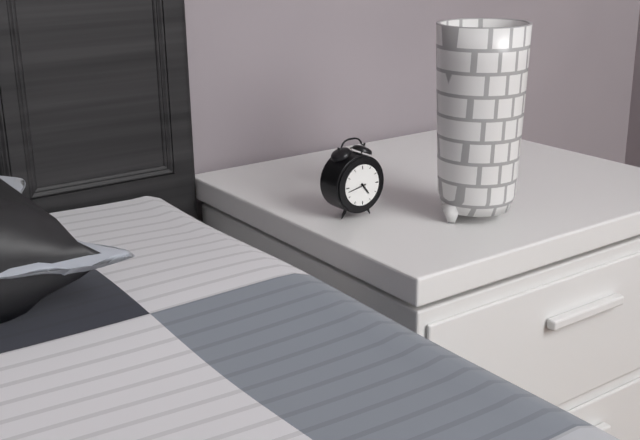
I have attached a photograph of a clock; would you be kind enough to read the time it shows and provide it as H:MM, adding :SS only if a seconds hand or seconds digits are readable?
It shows 4:43
